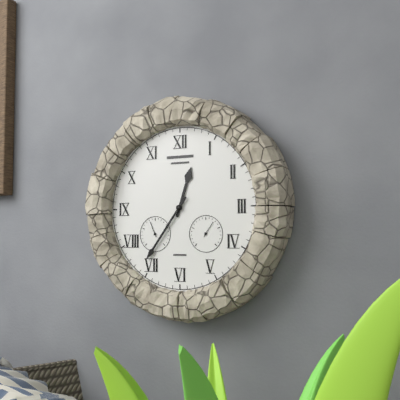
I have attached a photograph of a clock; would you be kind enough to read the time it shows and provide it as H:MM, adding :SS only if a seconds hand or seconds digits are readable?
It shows 12:36
